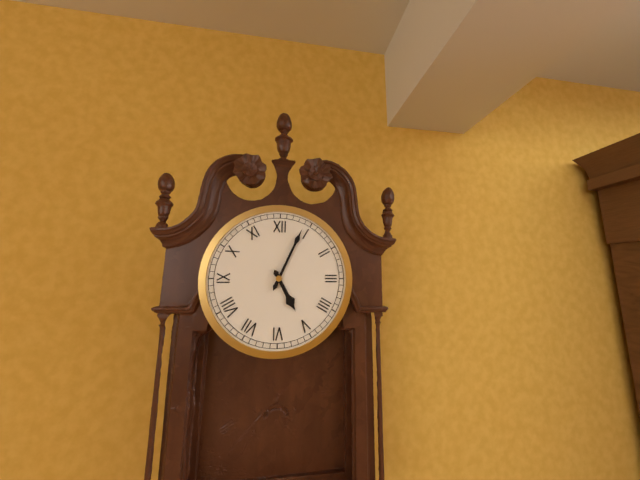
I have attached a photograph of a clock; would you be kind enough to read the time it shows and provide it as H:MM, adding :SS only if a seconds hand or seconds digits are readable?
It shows 5:04
